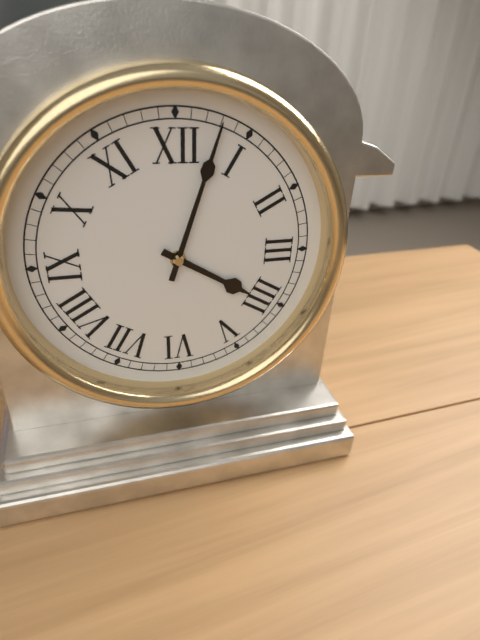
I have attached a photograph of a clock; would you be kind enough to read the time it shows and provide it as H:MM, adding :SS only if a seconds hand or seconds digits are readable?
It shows 4:03
